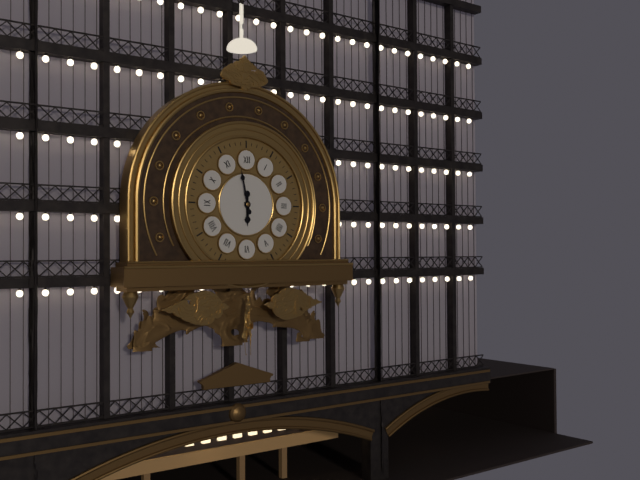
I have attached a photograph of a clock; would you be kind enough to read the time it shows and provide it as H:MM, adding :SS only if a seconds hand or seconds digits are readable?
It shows 5:58
